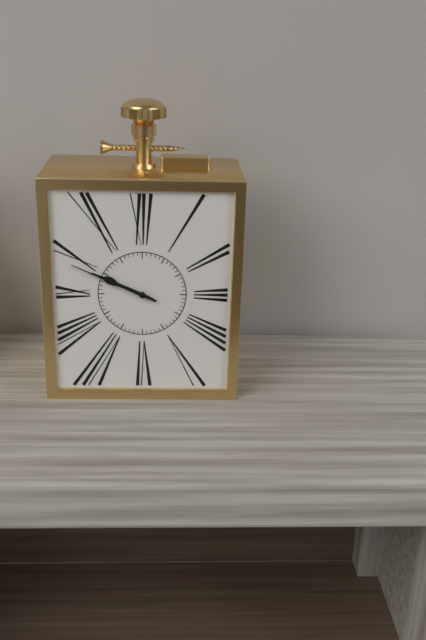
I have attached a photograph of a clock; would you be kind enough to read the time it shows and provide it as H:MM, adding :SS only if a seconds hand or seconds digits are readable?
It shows 9:49
